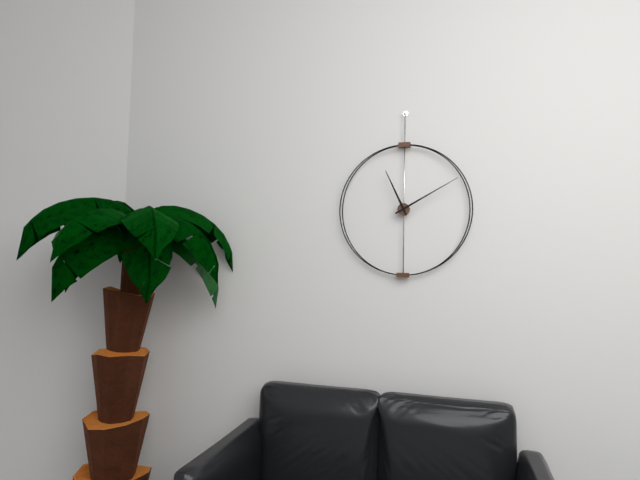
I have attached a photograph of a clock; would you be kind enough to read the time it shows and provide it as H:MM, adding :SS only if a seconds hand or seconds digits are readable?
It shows 11:10
